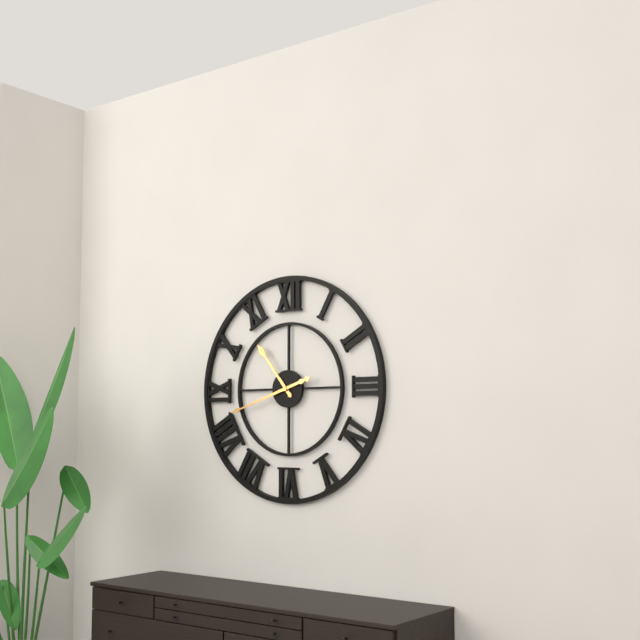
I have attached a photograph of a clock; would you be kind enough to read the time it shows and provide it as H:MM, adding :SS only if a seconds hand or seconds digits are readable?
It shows 10:42
